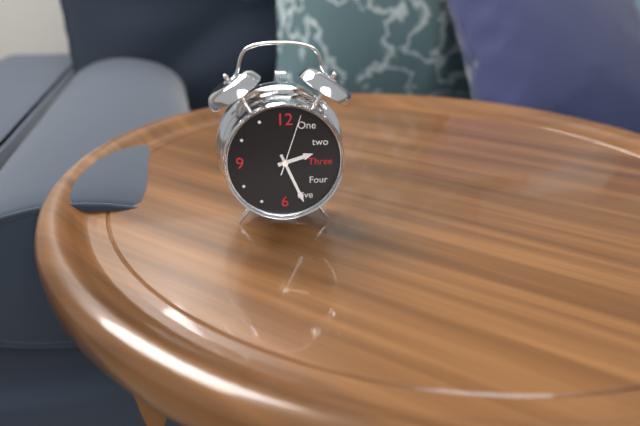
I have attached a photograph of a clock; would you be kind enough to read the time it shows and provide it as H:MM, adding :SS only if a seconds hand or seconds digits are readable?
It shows 2:26:03
